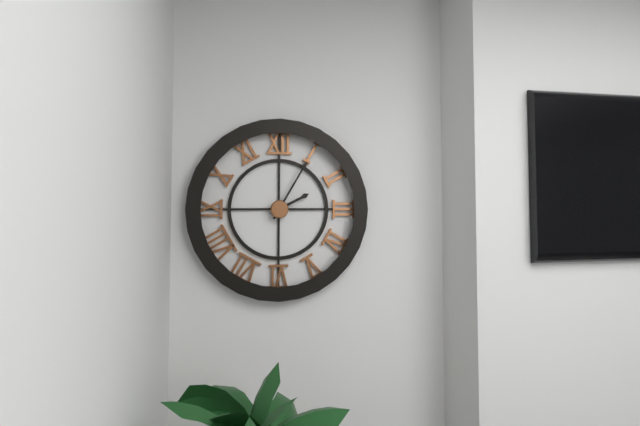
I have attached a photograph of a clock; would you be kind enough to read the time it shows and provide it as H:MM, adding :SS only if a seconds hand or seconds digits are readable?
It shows 2:05
